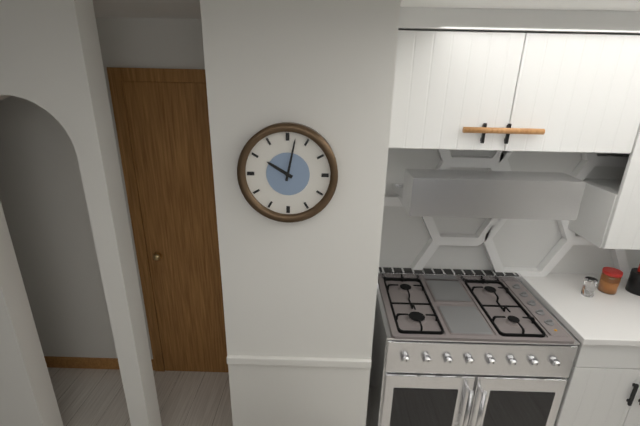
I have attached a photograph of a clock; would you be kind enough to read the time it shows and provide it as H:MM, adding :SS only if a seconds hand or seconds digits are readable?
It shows 10:02
